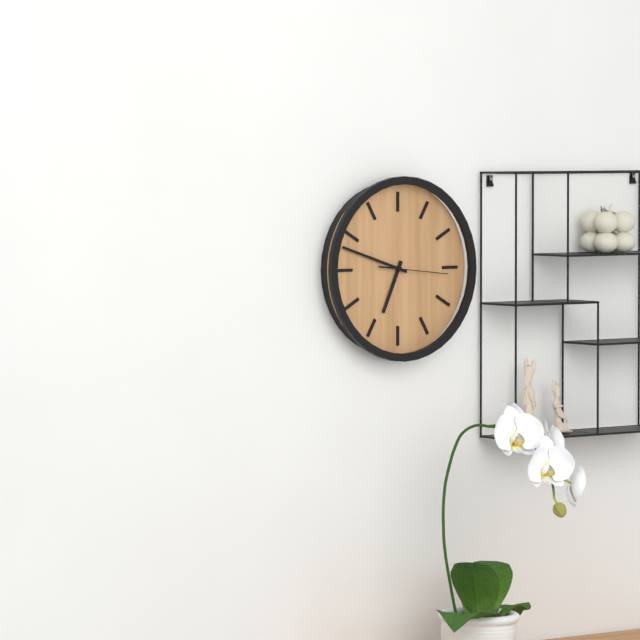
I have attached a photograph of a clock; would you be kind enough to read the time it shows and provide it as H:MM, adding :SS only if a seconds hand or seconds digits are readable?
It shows 6:48:16
